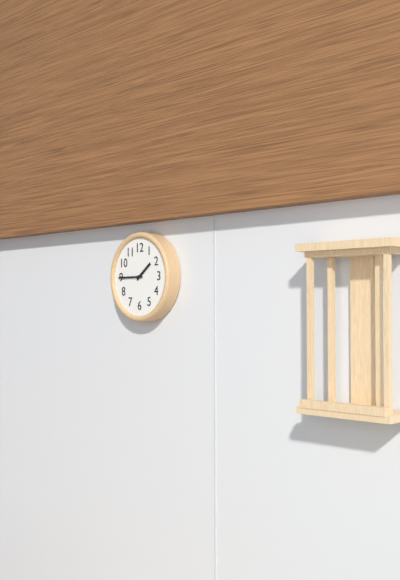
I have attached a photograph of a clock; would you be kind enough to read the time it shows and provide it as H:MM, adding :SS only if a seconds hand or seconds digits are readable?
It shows 1:45
